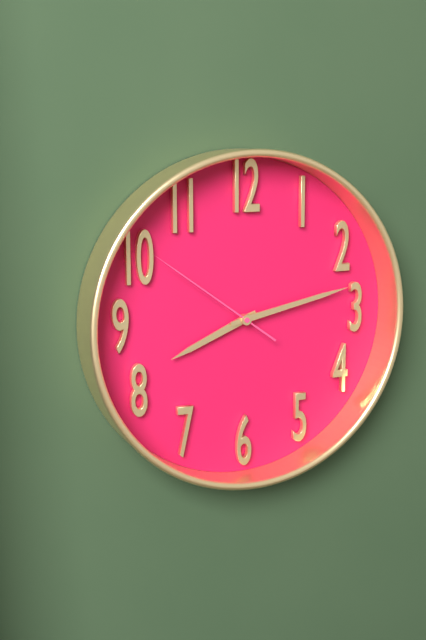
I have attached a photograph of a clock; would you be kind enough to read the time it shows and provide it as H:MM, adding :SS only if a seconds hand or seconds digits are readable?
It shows 8:13:51
